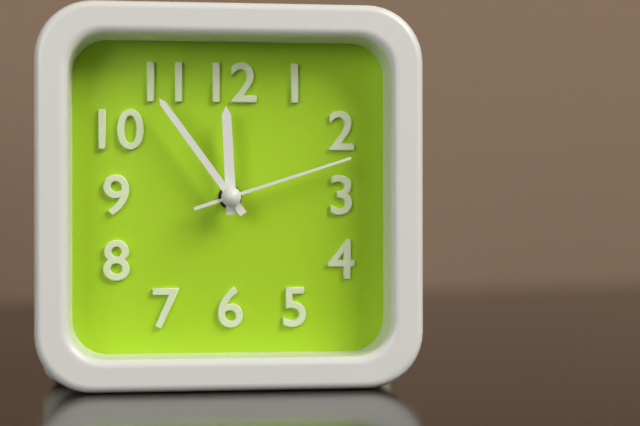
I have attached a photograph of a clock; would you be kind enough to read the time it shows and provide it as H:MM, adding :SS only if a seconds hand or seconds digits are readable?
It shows 11:54:12
